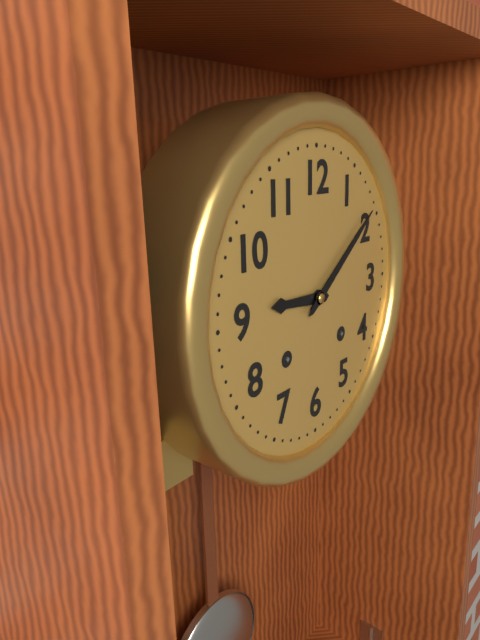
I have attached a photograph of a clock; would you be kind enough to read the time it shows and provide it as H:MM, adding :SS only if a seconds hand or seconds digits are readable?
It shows 9:09
